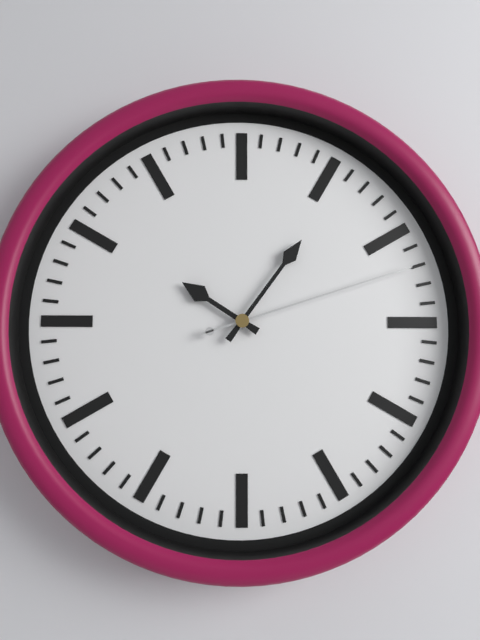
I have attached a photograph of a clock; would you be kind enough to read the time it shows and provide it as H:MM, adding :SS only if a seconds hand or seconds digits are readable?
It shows 10:06:12
